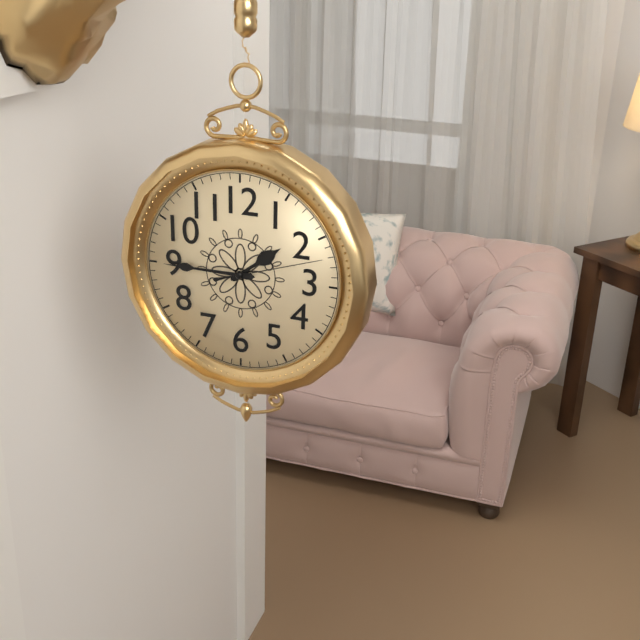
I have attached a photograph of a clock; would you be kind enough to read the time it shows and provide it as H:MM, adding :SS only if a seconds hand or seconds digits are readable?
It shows 1:45:12
